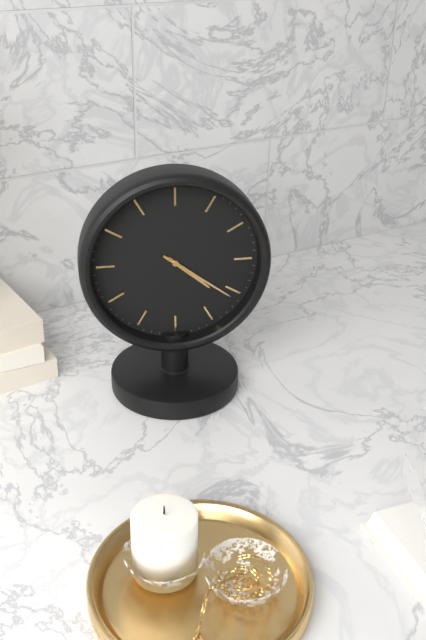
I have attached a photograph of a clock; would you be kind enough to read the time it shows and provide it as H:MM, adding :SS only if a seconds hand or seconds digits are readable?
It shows 4:21
